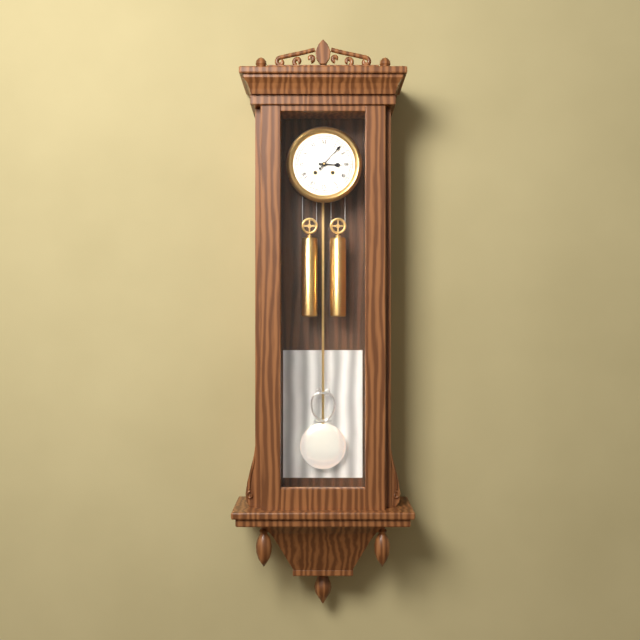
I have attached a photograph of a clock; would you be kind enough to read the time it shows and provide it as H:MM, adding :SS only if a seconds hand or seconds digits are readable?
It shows 3:07
